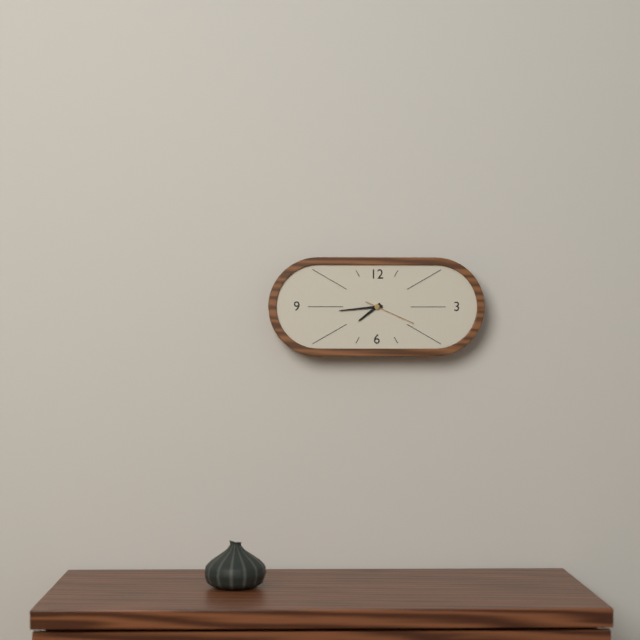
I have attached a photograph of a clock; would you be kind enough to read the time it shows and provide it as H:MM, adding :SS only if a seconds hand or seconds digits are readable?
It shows 7:44:19
